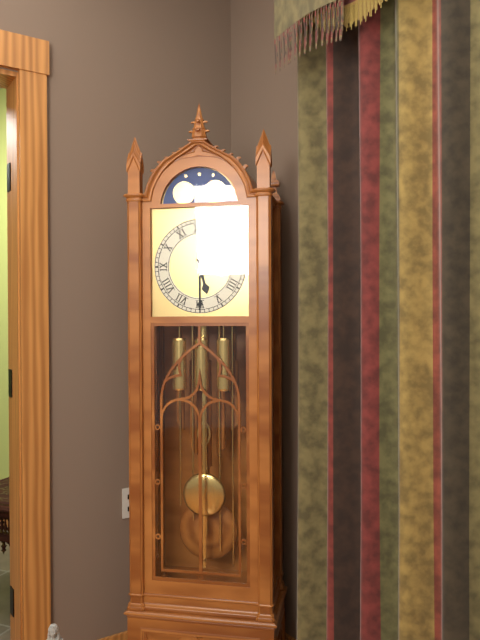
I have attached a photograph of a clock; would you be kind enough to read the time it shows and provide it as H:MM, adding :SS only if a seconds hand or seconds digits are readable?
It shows 5:30
